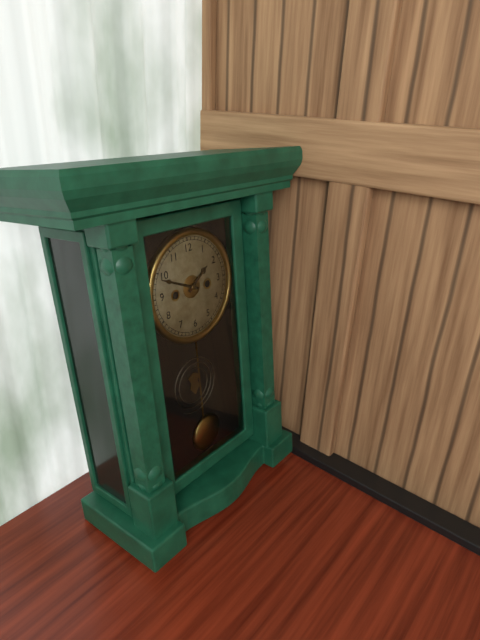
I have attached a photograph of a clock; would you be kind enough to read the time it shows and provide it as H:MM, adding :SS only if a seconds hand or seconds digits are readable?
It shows 1:49
